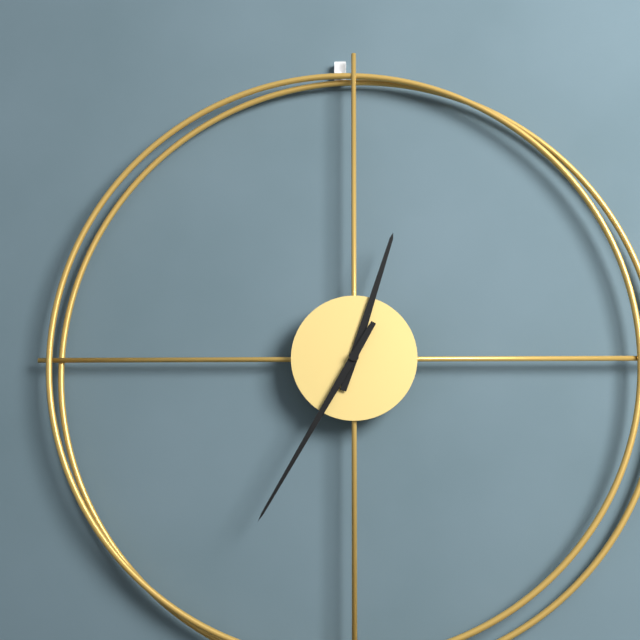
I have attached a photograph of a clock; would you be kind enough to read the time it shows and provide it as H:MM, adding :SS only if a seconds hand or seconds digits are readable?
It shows 12:35
